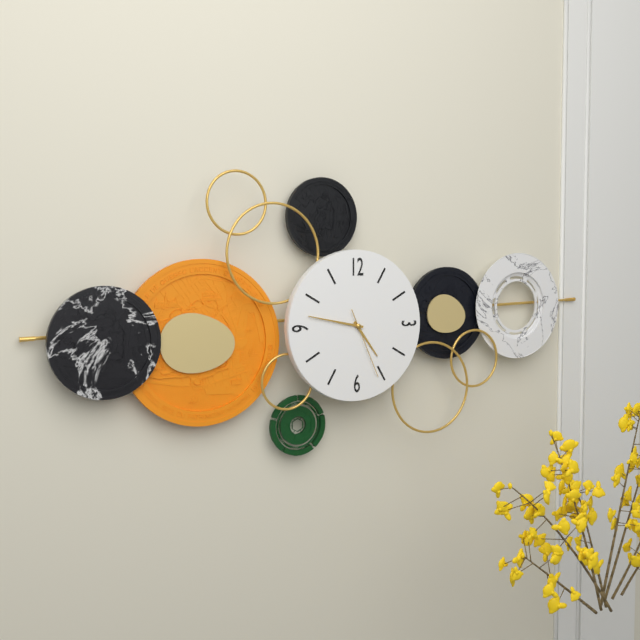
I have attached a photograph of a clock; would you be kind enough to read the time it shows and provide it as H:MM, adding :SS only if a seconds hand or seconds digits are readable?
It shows 4:47:26
